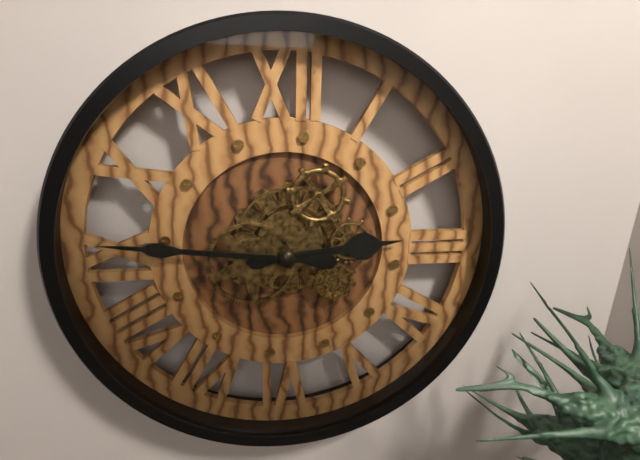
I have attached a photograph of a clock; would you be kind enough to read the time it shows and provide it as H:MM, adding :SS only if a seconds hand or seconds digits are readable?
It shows 2:46
